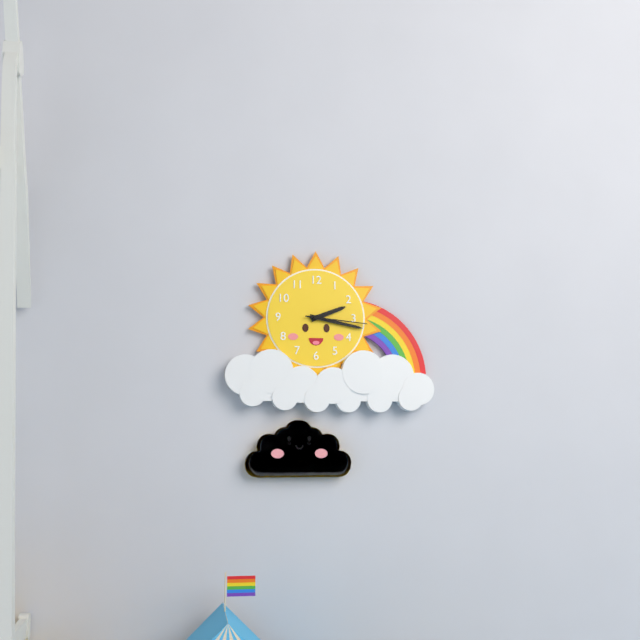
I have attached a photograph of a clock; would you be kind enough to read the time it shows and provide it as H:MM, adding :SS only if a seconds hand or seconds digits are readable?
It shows 2:17:16
